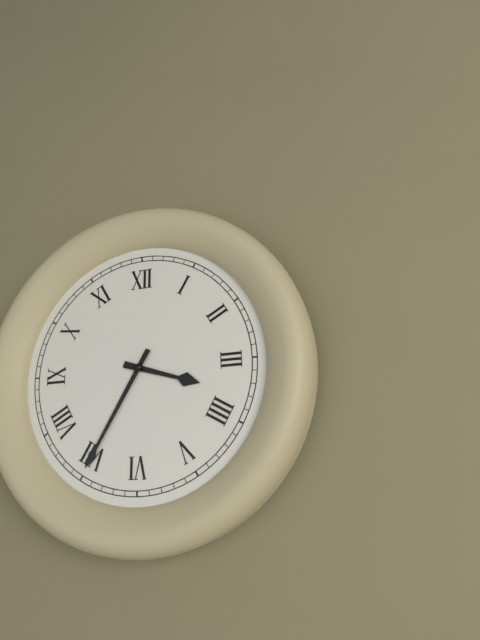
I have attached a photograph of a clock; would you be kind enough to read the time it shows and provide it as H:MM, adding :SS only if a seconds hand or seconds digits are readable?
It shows 3:35
